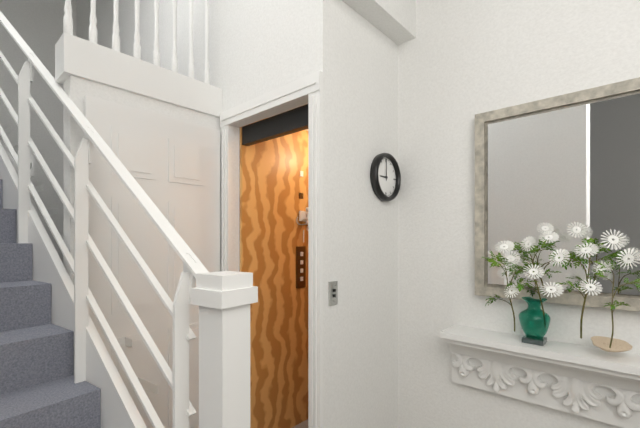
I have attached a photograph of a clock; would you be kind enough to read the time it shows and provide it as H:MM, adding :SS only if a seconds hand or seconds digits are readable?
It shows 9:00
